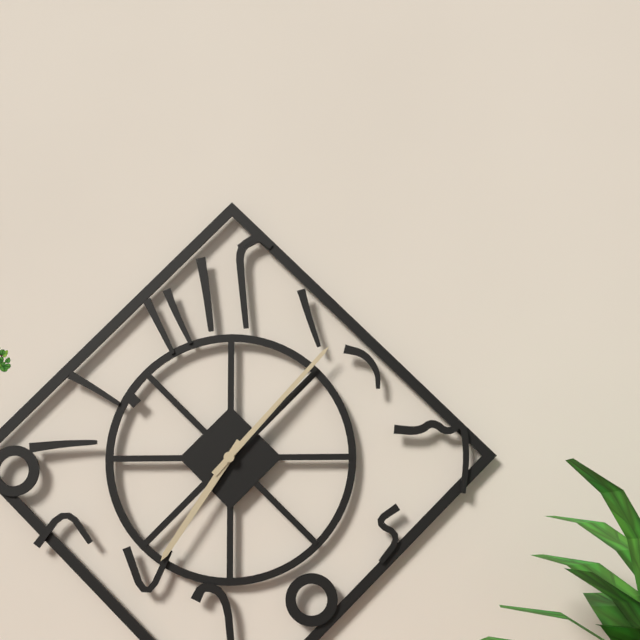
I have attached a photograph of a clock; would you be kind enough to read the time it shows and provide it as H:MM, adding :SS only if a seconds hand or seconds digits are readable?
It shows 7:07
